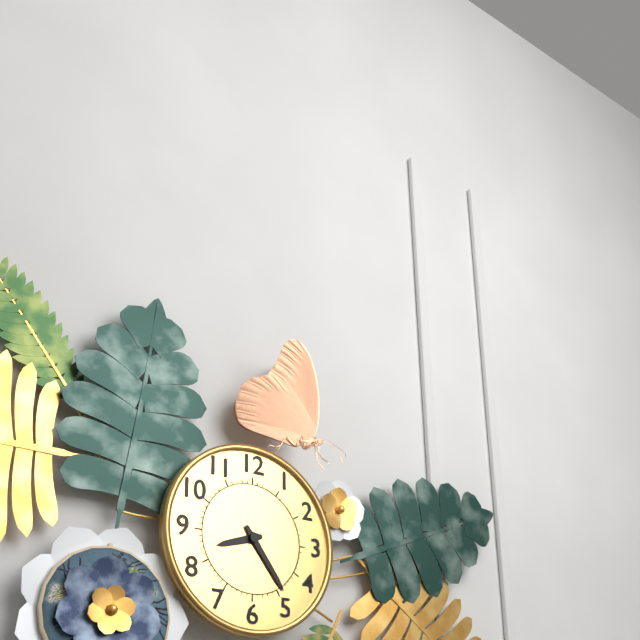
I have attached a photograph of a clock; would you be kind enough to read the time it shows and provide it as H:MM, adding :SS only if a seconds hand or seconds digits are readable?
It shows 8:24
